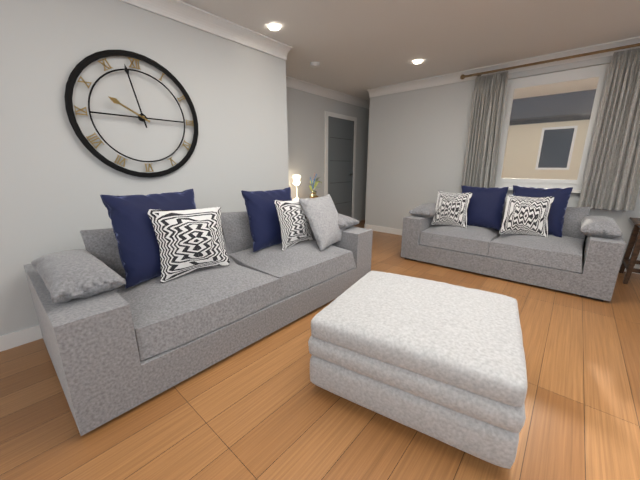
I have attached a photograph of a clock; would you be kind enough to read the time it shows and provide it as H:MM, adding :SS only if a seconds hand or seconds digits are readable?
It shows 9:58
